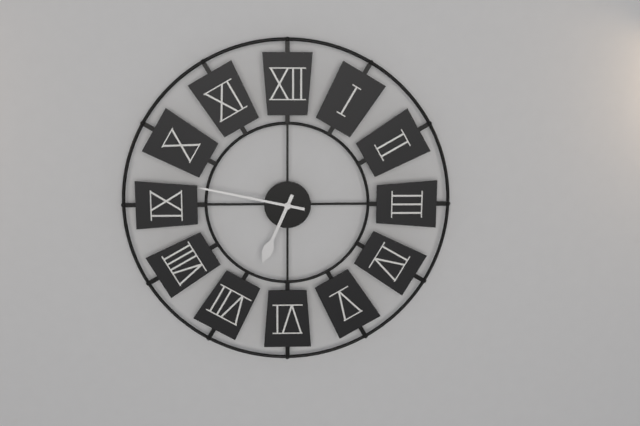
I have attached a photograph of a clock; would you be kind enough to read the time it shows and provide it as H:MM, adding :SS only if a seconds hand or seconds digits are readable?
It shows 6:47
